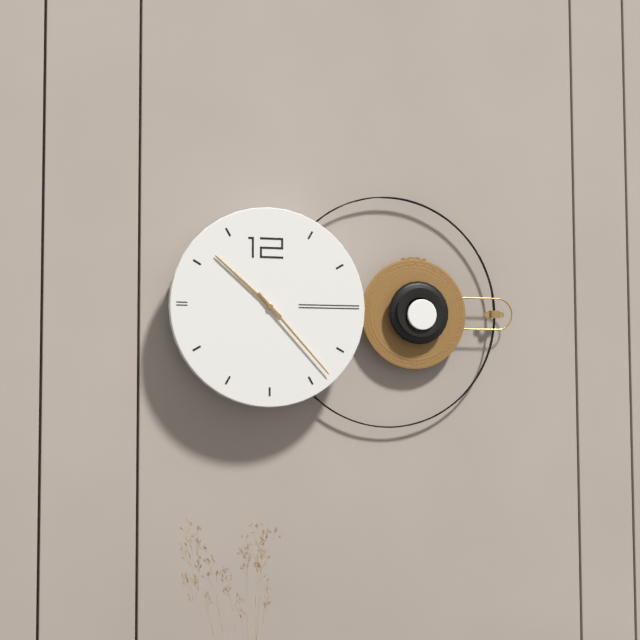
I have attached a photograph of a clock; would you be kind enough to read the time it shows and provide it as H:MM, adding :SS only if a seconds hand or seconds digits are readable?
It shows 10:23
